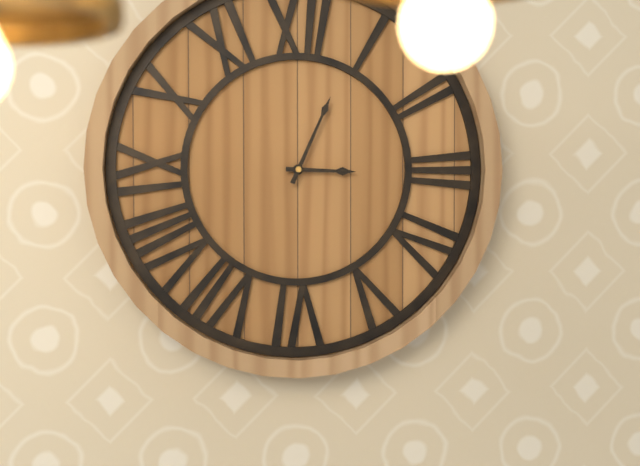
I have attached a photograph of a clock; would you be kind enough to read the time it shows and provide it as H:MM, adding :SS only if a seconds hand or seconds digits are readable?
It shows 3:04
